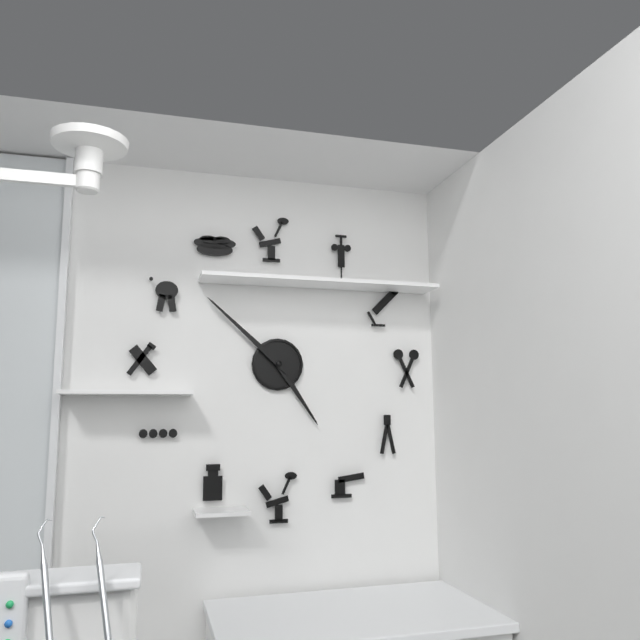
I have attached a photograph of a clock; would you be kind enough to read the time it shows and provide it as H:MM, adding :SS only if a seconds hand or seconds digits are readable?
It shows 4:52
